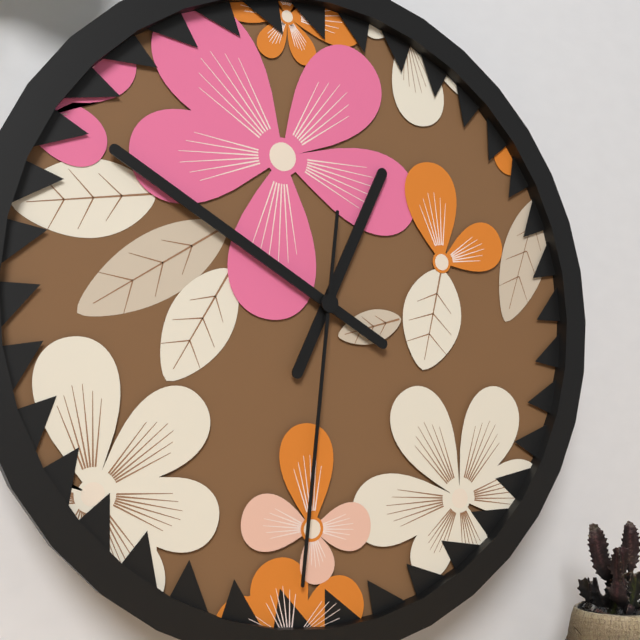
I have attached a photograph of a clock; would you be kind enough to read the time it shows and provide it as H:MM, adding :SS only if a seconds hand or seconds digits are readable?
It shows 12:50:31
